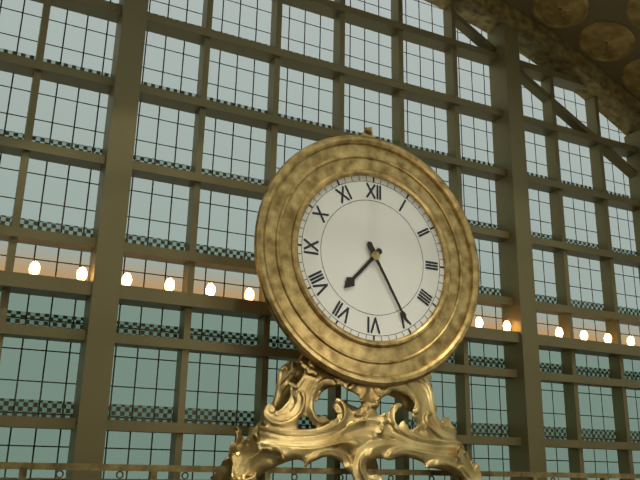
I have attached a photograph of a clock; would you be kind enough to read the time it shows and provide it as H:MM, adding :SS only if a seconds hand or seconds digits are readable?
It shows 7:25
